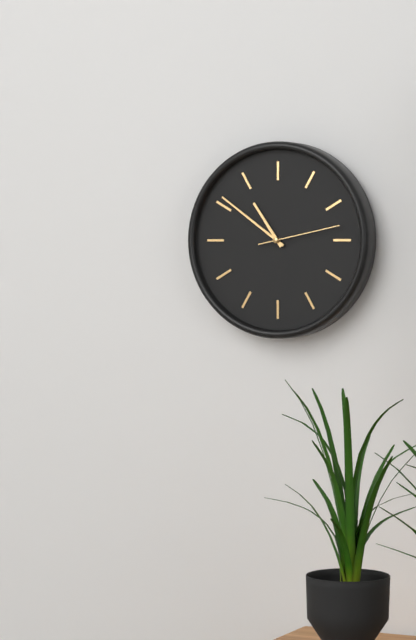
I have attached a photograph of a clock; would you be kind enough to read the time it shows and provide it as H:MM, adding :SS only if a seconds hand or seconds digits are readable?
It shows 10:51:13
